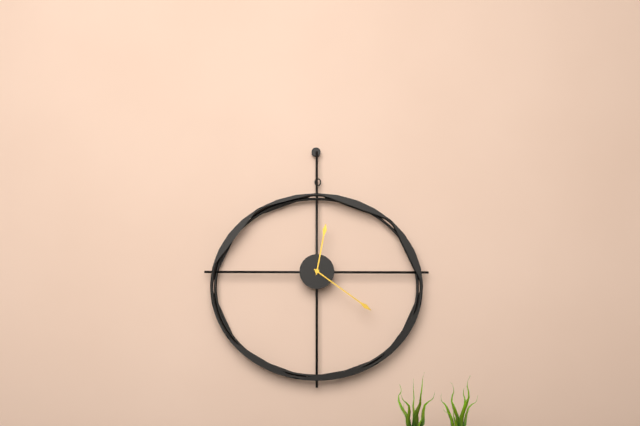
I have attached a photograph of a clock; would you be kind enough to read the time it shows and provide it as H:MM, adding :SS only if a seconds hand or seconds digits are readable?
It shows 12:21
